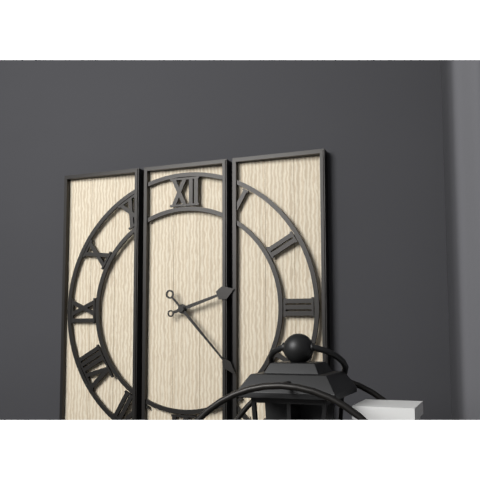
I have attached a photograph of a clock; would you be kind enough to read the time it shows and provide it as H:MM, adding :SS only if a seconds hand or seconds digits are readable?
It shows 2:23
